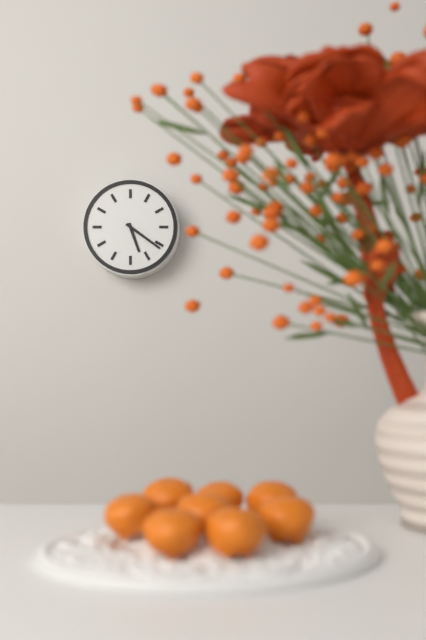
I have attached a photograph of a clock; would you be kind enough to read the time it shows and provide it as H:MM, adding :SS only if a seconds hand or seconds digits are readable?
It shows 5:21
